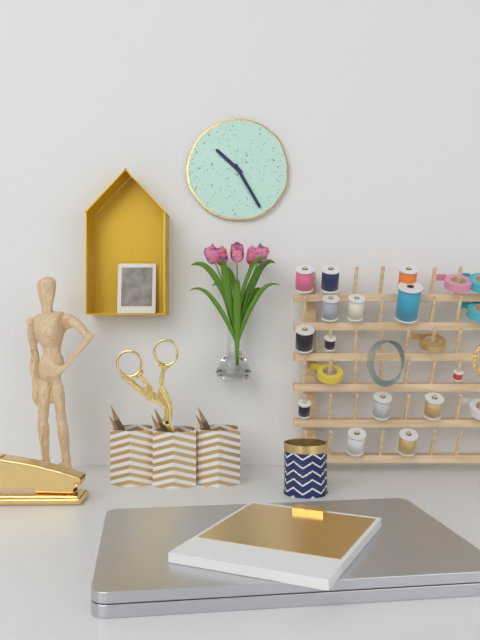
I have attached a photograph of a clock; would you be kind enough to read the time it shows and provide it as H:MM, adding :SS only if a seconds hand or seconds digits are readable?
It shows 10:25
